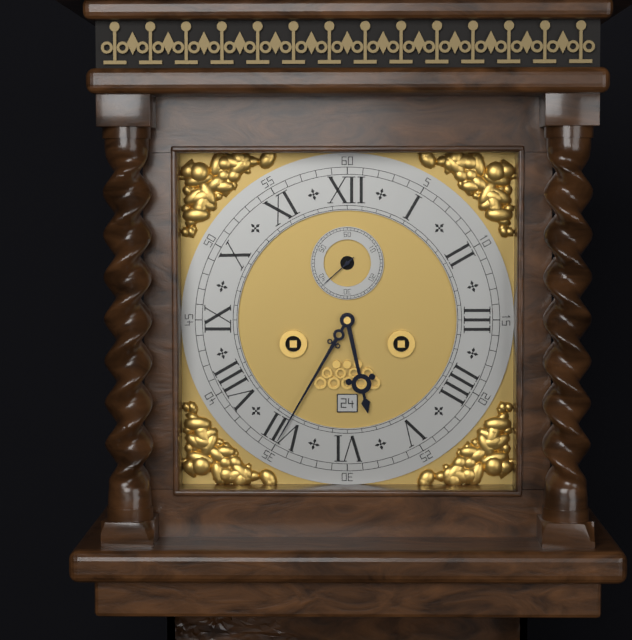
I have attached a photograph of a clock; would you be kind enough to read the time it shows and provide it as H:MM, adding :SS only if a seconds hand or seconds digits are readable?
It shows 5:35
